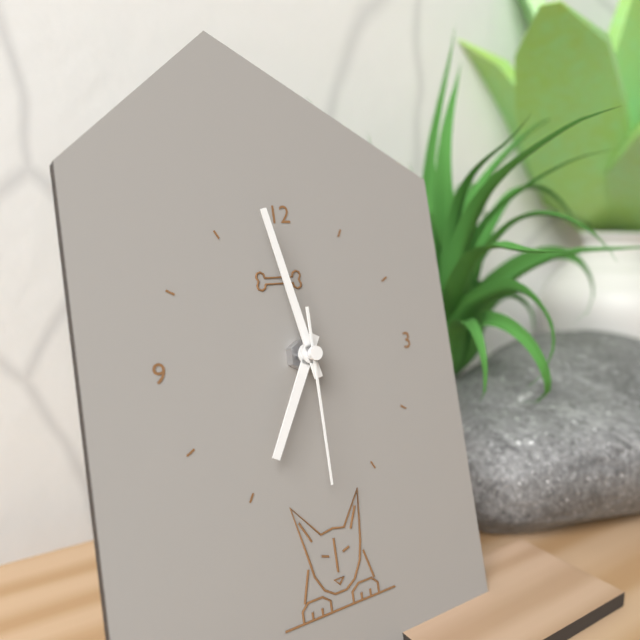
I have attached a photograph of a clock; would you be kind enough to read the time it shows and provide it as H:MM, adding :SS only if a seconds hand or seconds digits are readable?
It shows 6:58:30
